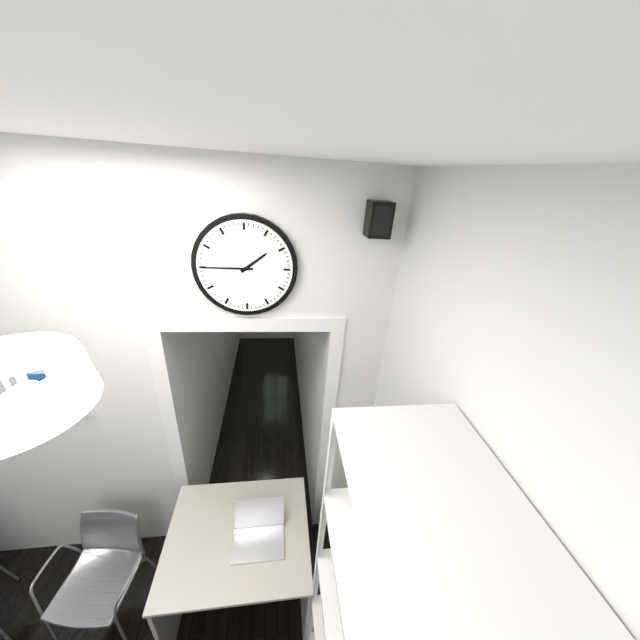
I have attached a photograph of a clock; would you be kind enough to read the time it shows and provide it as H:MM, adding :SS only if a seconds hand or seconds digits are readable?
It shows 1:45
